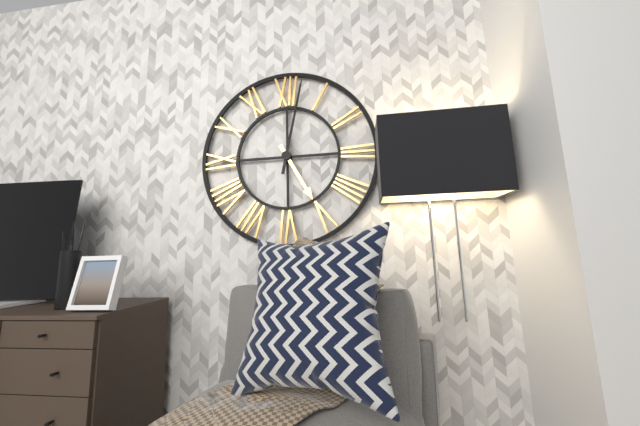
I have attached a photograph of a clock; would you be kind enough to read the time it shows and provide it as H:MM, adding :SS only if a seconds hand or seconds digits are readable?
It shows 5:02
